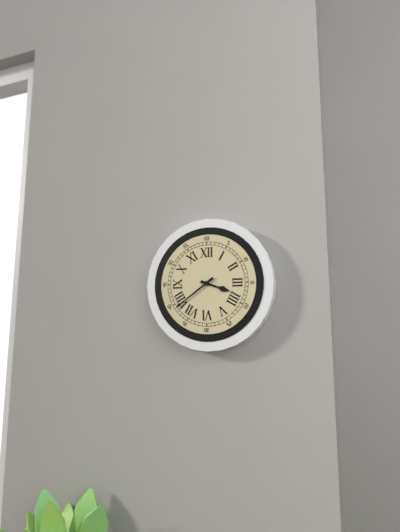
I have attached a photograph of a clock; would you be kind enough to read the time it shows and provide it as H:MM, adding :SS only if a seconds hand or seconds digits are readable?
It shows 3:39
